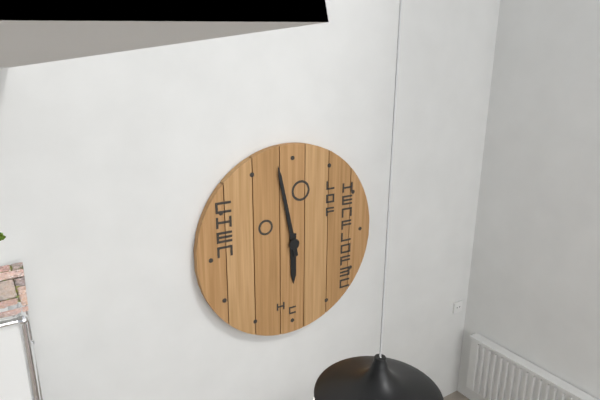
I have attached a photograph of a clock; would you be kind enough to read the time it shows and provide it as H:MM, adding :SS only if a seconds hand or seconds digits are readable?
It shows 5:58
